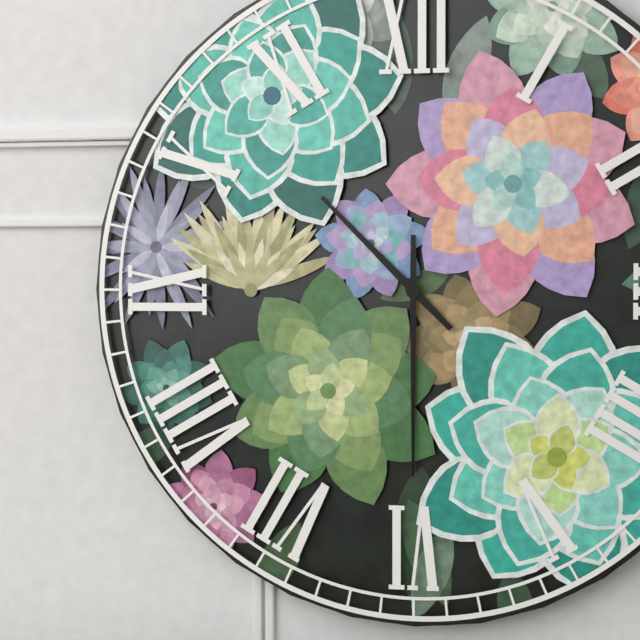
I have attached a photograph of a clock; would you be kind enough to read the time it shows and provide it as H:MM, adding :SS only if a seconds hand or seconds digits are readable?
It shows 10:30
